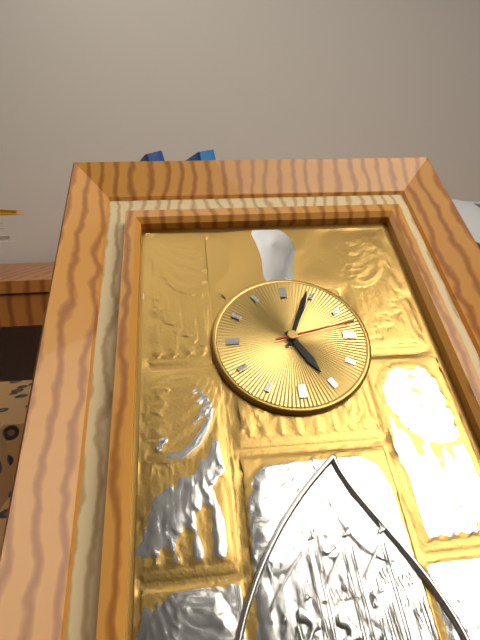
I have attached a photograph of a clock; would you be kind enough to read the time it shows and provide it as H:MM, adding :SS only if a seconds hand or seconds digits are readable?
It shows 5:04:13
